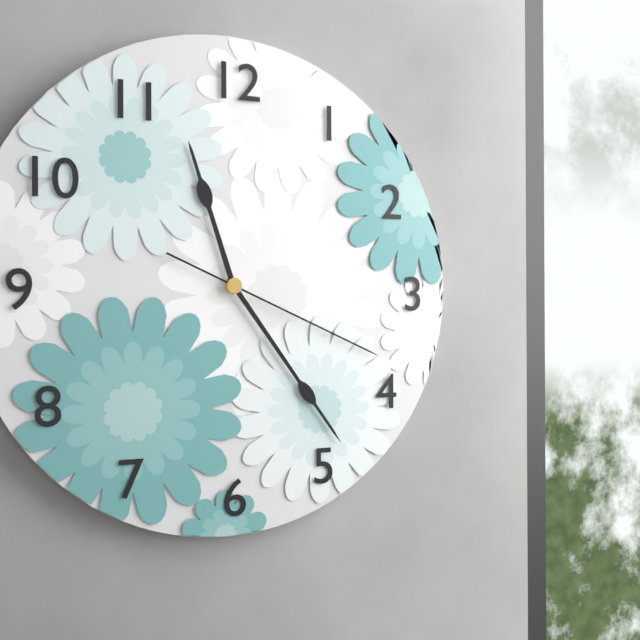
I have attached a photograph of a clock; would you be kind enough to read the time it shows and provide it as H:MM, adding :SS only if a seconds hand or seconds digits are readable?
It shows 11:24:19
